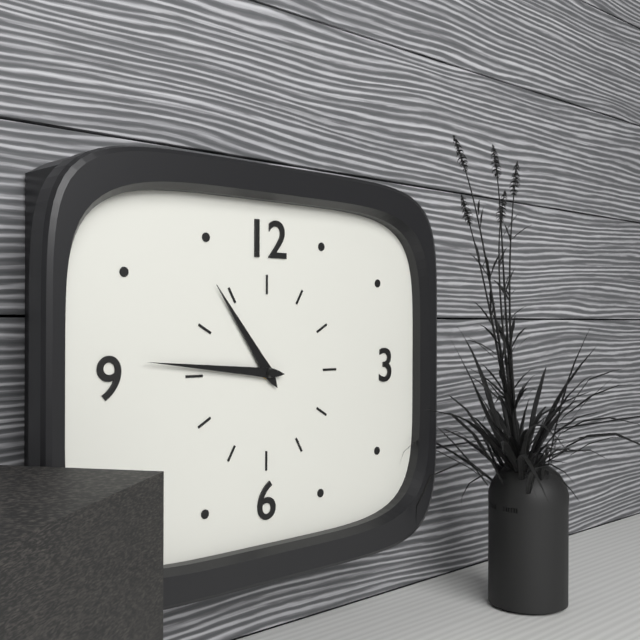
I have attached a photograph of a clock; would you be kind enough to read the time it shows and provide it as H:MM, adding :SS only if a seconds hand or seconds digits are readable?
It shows 10:46
